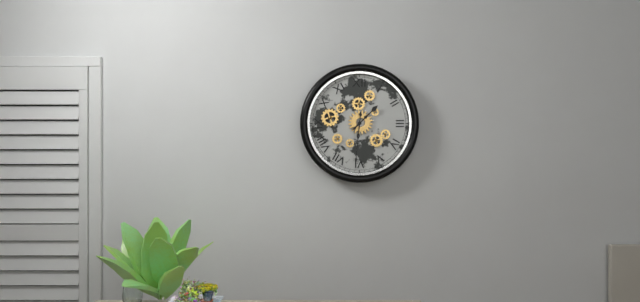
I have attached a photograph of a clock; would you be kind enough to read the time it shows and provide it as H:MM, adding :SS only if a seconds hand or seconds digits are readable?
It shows 1:31
